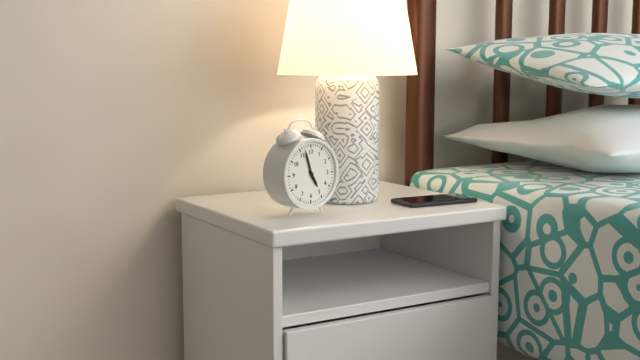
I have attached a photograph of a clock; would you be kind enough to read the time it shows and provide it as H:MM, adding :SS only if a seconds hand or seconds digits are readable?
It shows 4:57
